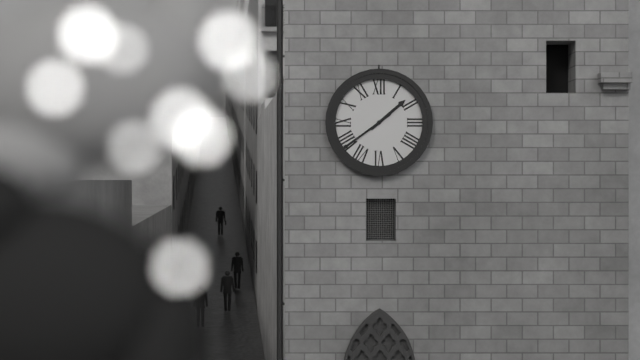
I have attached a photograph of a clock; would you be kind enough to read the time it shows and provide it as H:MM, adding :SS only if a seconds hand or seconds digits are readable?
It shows 1:39
